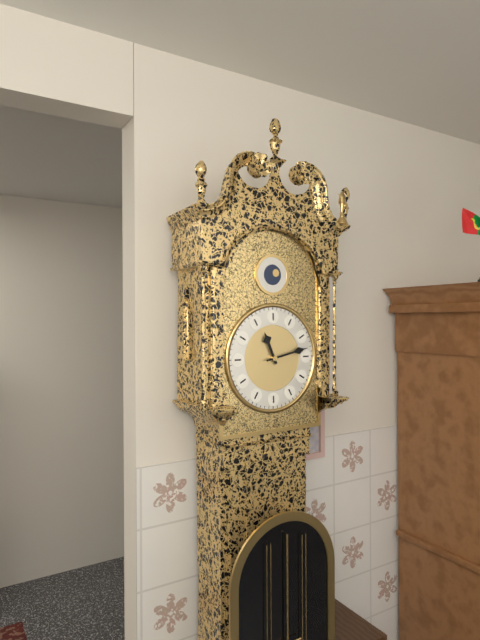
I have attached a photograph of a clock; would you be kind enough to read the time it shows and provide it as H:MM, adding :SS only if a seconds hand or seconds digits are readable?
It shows 11:13
